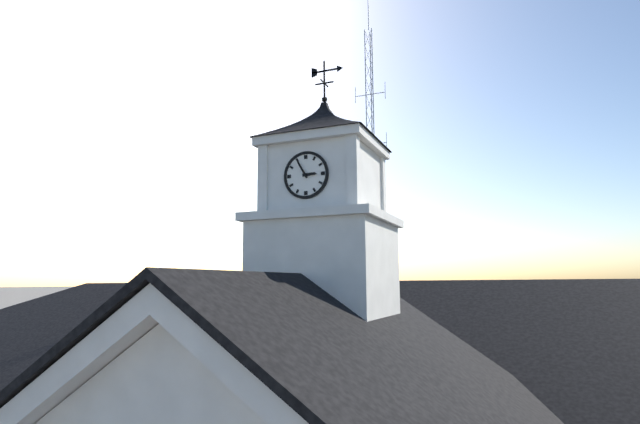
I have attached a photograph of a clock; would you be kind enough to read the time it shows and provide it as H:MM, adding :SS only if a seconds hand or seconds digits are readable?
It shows 2:55
